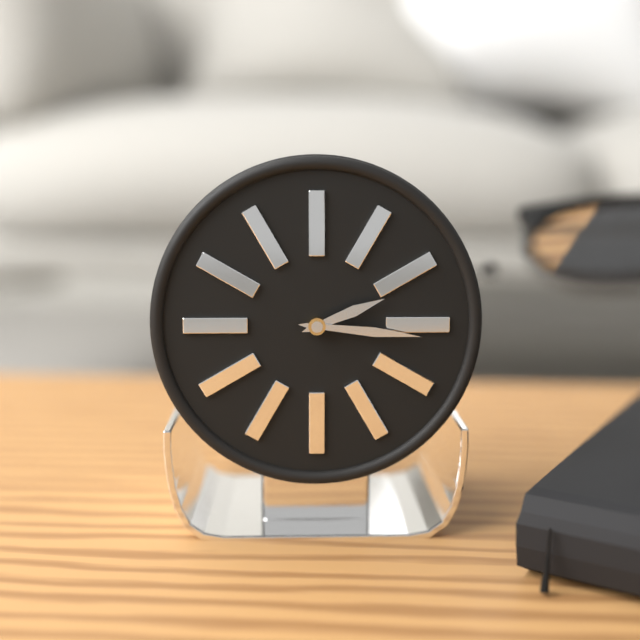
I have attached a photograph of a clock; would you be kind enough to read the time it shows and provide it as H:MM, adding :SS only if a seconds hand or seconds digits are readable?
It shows 2:16
